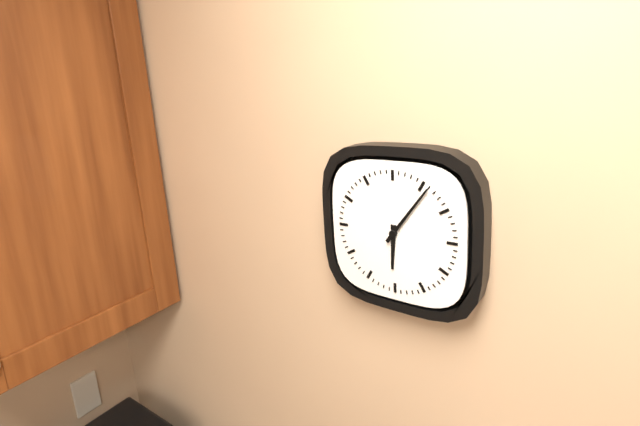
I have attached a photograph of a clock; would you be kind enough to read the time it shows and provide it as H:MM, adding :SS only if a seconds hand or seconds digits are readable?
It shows 6:06
